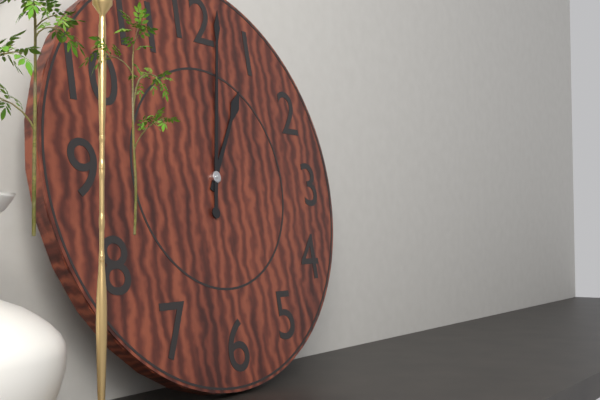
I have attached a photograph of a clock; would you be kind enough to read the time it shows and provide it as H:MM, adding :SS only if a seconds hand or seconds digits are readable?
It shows 1:02
